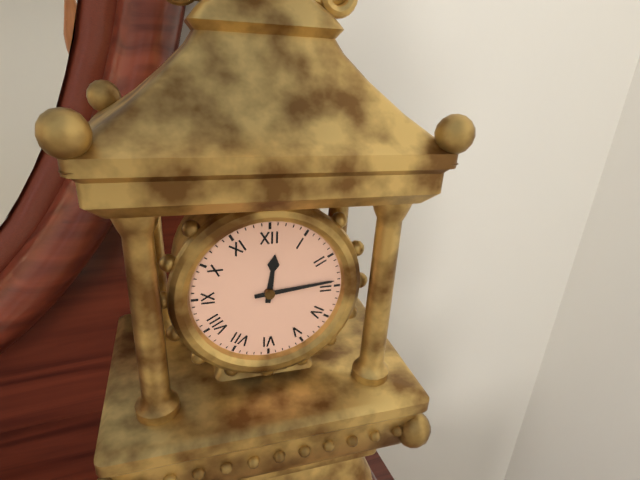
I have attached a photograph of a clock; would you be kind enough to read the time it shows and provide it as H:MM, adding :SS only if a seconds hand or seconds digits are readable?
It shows 12:14
